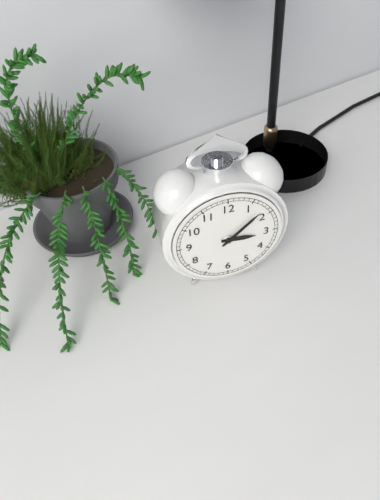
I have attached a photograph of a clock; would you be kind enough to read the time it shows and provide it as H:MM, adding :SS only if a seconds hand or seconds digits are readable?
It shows 3:08
